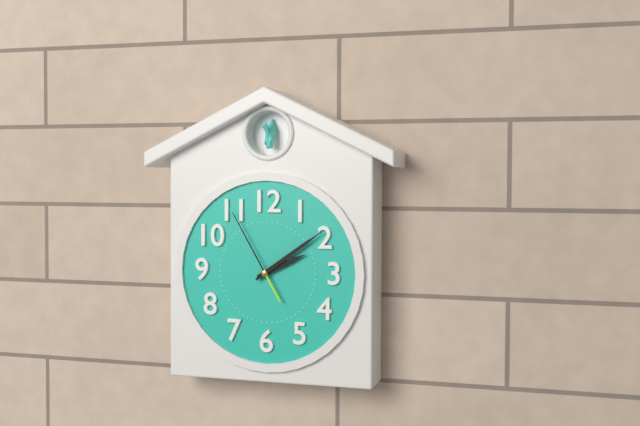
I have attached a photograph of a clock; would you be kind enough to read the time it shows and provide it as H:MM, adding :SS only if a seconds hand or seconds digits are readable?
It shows 2:09:55
